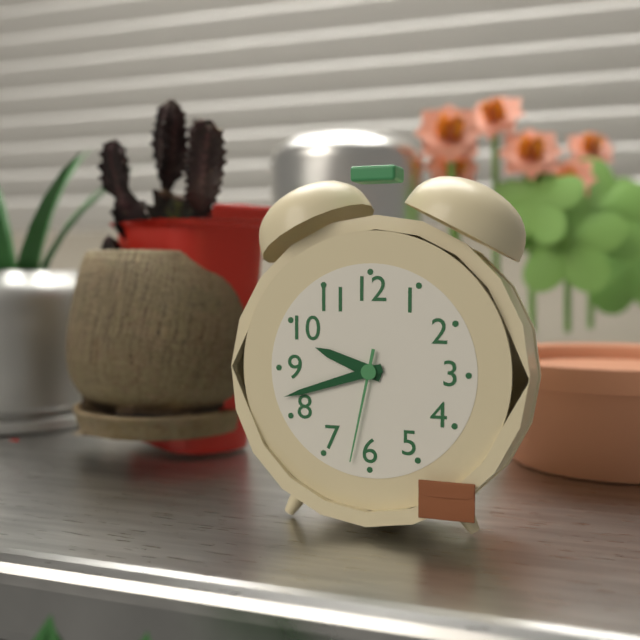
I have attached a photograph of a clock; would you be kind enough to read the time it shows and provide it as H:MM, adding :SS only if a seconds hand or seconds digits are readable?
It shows 9:42:32
